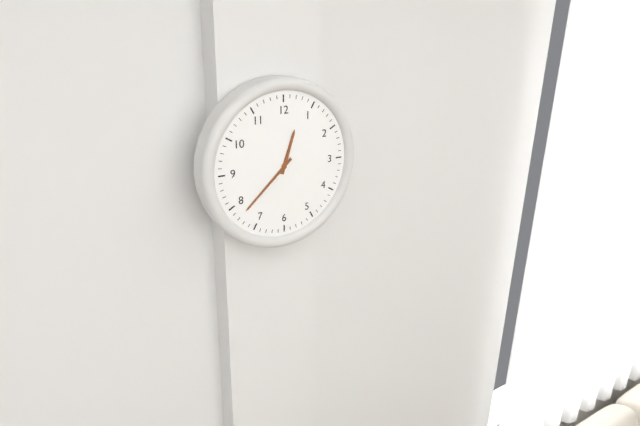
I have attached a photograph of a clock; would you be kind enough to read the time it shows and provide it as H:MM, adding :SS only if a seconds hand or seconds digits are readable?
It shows 12:38
